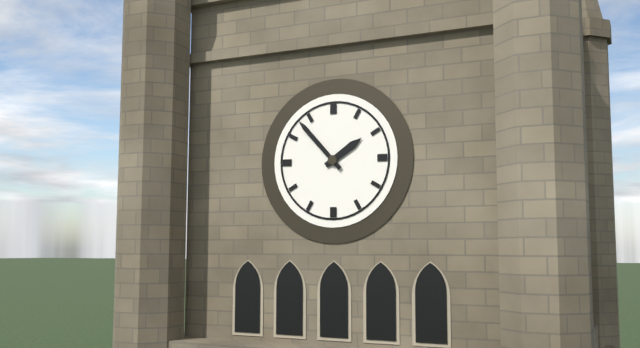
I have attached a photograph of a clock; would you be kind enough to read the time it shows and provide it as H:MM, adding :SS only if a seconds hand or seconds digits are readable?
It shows 1:53
